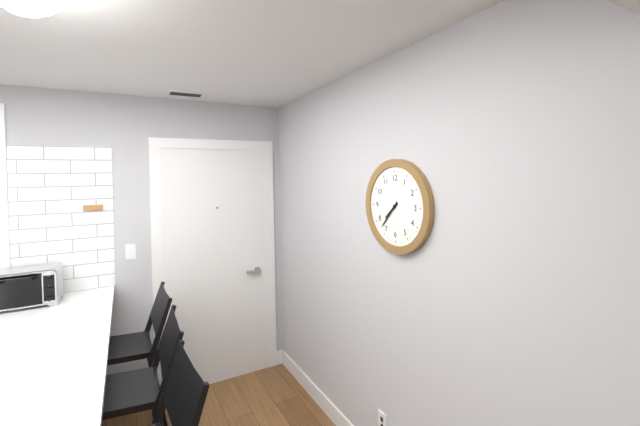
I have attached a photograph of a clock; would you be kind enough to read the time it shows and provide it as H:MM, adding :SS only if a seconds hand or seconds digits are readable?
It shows 7:37
